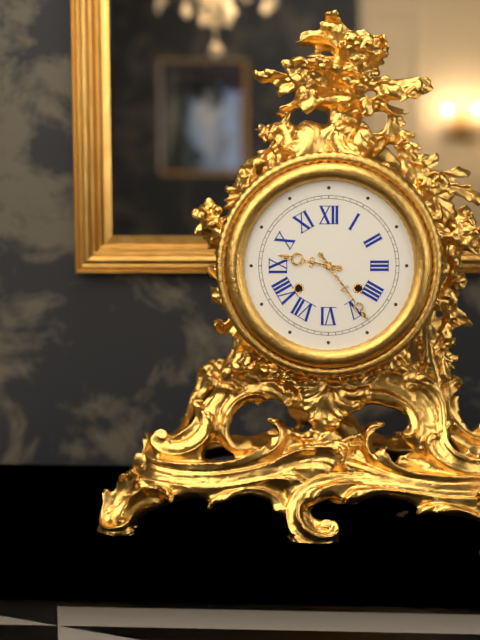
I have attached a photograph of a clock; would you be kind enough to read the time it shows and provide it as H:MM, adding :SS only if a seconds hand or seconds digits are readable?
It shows 9:24
